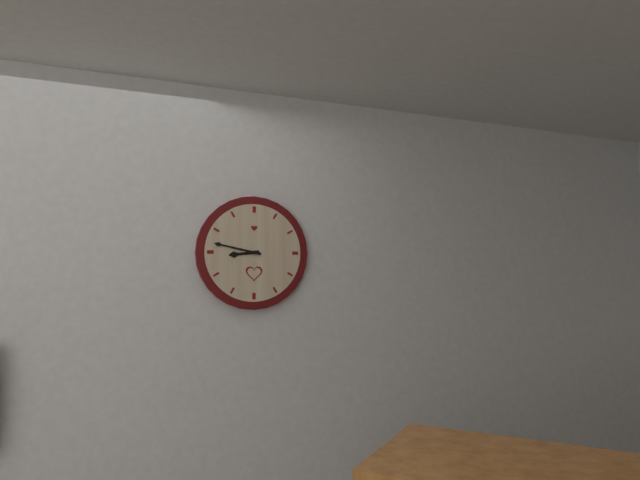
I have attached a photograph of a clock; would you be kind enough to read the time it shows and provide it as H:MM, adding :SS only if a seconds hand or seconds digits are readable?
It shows 8:47
